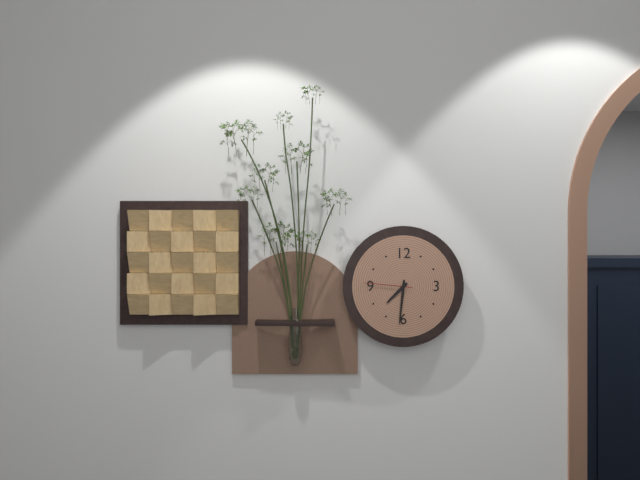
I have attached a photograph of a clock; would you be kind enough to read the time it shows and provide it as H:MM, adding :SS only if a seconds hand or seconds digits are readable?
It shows 7:31:46
